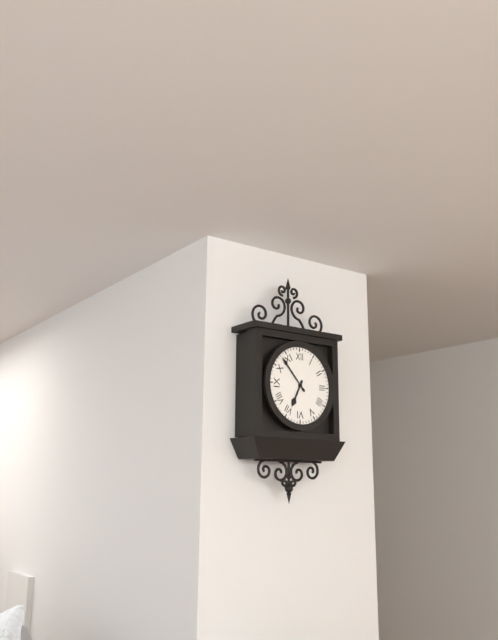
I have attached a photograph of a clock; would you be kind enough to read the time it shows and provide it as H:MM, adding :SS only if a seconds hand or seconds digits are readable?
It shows 6:53
